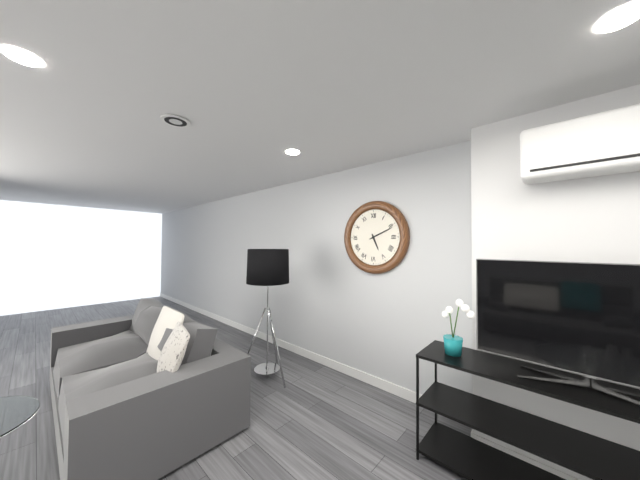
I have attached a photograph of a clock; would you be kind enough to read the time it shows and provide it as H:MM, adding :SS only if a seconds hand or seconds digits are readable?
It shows 5:11
